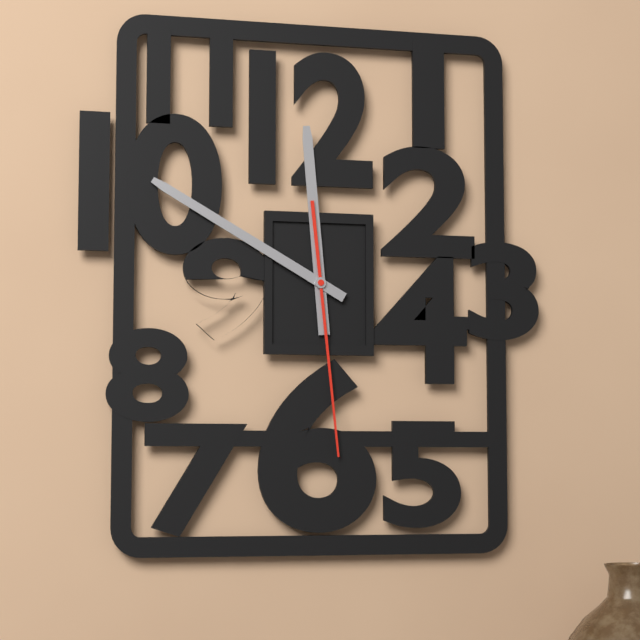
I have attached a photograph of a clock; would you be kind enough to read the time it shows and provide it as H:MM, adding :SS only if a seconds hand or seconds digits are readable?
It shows 11:50:29
